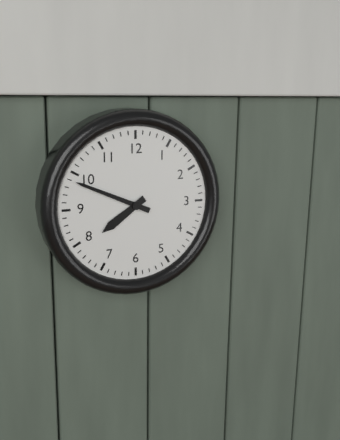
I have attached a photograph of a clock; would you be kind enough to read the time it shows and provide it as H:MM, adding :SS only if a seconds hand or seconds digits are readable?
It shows 7:49
